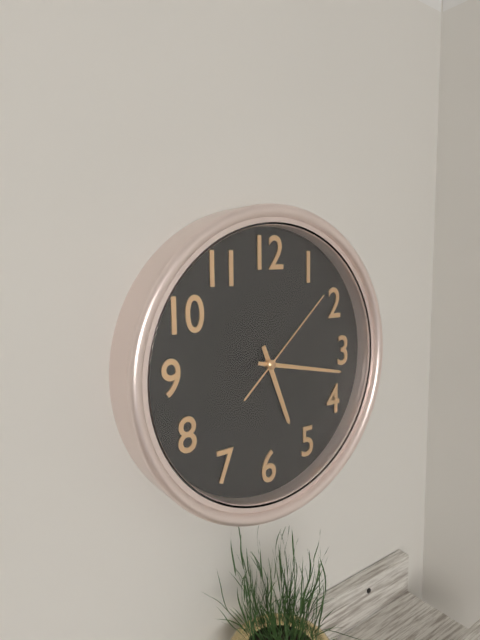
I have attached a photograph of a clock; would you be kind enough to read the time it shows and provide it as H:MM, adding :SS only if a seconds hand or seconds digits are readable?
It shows 5:17:08
